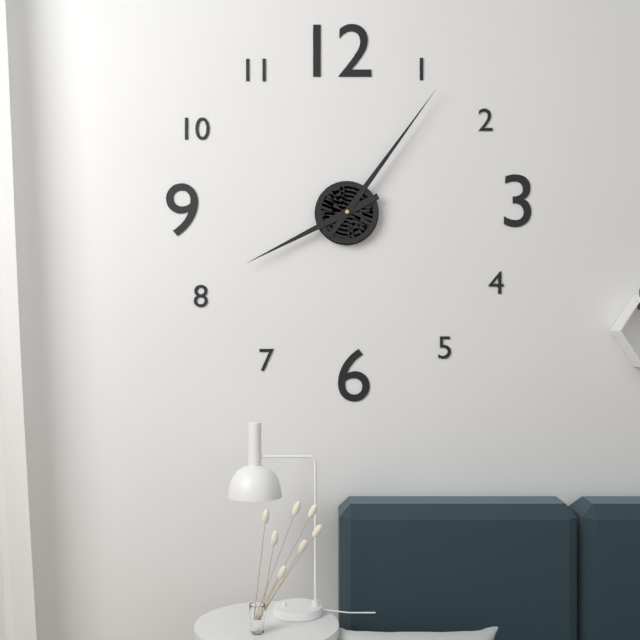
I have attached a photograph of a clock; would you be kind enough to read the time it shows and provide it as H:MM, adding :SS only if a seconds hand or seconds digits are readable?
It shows 8:06
